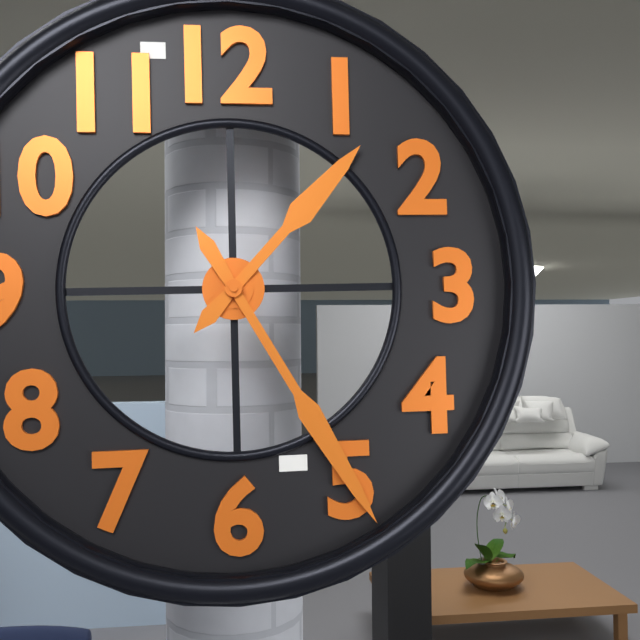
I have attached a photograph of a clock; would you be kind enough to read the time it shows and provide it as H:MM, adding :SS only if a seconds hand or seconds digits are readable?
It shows 1:25
